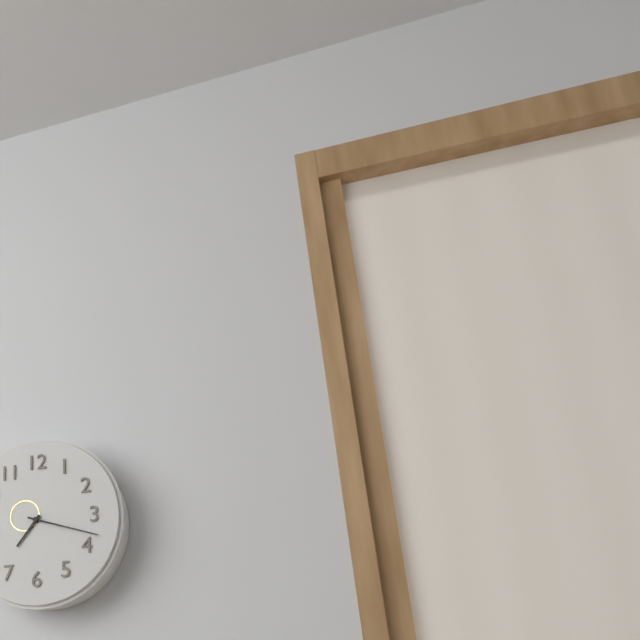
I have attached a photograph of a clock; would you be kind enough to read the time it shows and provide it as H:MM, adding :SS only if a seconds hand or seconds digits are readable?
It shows 7:18
